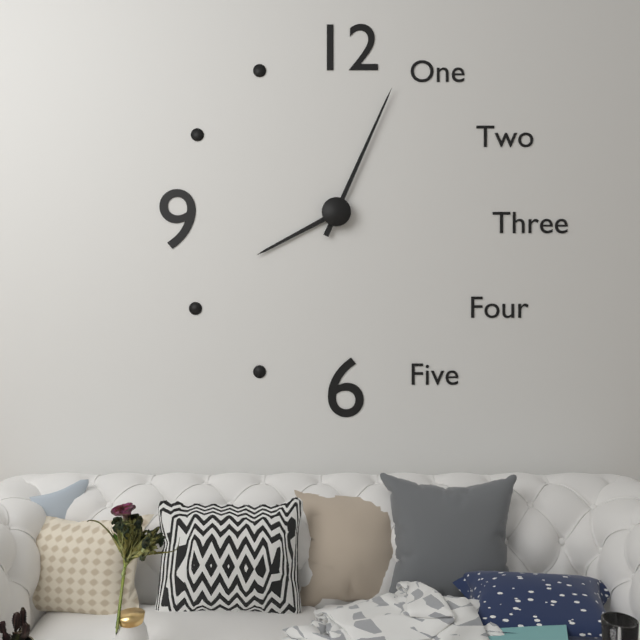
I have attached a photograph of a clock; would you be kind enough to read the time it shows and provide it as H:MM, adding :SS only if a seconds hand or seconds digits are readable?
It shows 8:04
